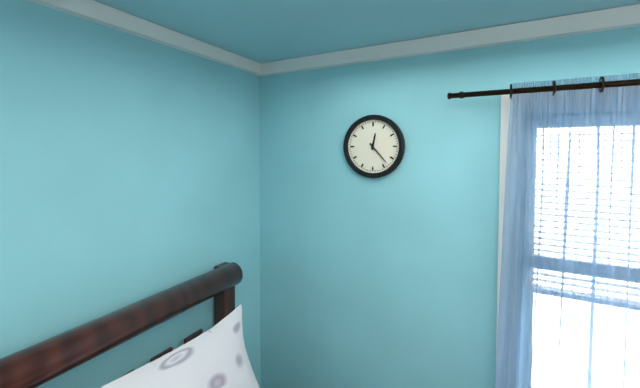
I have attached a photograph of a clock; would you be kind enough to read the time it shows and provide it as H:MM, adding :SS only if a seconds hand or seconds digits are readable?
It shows 12:23
